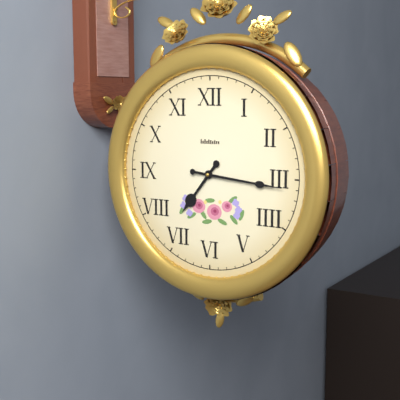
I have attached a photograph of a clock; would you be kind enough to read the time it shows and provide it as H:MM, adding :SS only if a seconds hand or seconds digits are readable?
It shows 7:16
